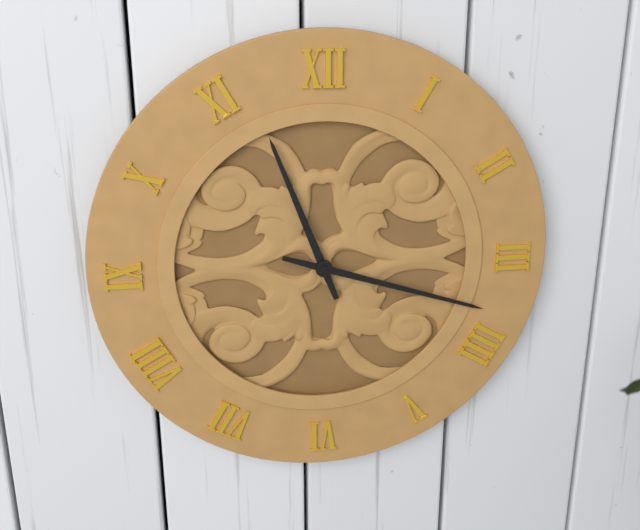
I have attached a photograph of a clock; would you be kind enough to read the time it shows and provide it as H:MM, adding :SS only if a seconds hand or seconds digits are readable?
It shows 11:18
